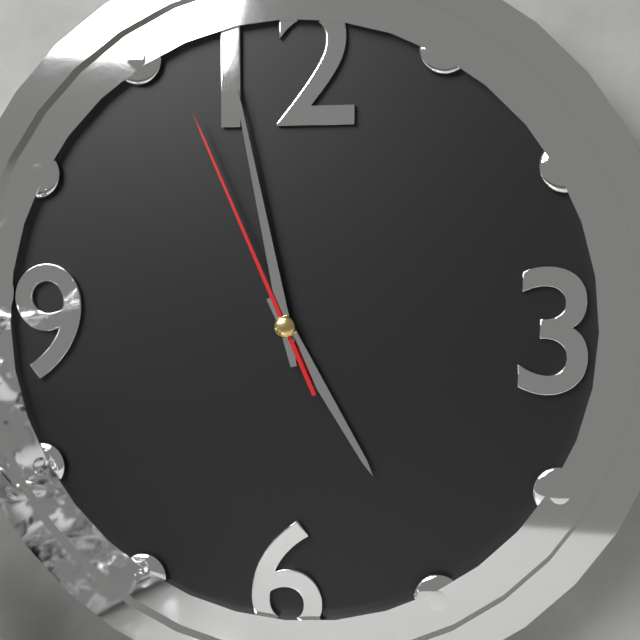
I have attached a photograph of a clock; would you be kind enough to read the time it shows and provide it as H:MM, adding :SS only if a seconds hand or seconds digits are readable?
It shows 4:58:56
